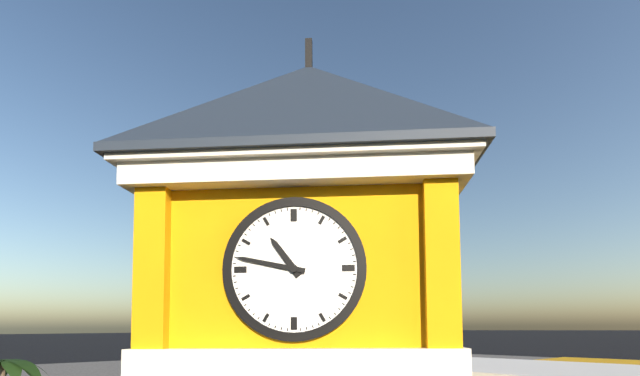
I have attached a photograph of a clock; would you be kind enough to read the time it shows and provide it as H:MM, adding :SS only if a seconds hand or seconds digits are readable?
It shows 10:47
